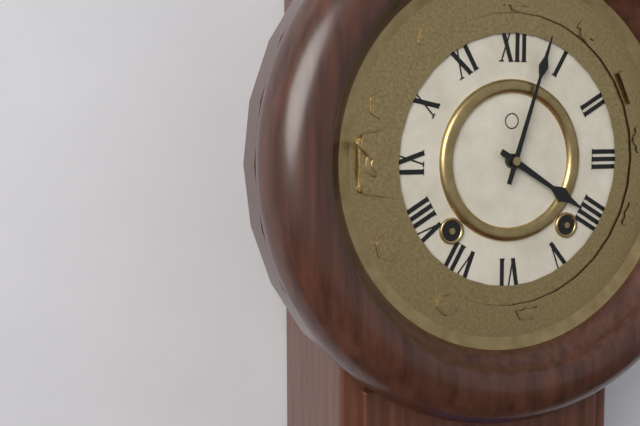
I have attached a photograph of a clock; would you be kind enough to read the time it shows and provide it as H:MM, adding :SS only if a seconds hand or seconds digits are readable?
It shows 4:03
